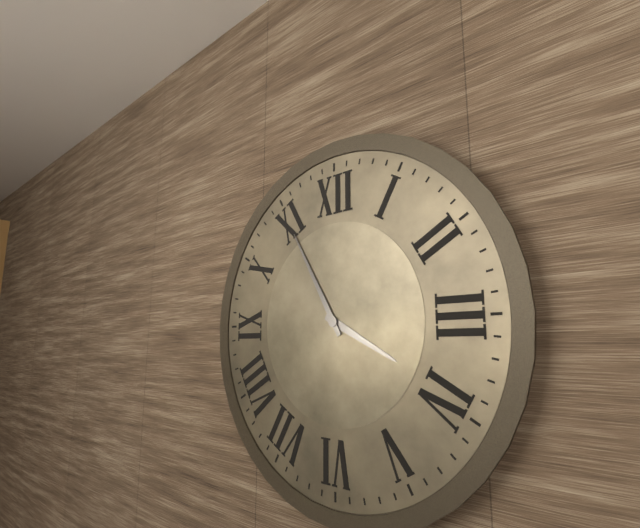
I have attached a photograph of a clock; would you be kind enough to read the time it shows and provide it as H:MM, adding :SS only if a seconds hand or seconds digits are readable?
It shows 3:55
